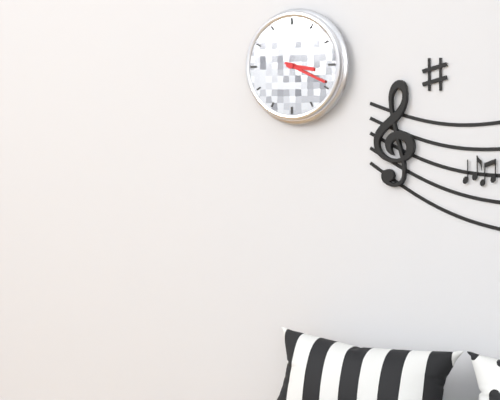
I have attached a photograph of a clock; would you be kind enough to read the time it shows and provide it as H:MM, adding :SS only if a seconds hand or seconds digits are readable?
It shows 3:19
